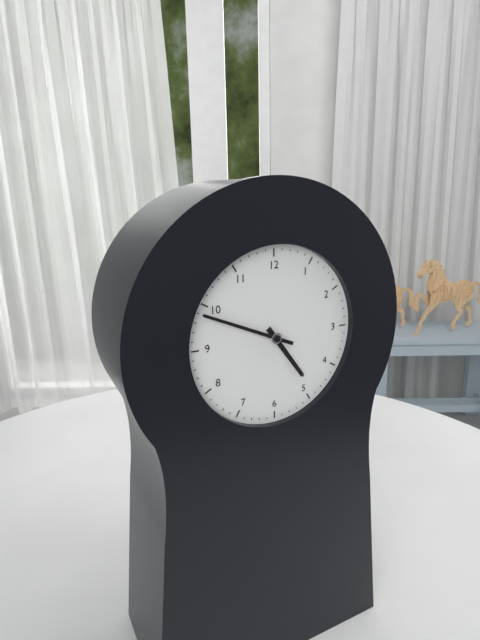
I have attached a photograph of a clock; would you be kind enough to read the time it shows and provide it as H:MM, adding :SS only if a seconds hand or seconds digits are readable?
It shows 4:49
